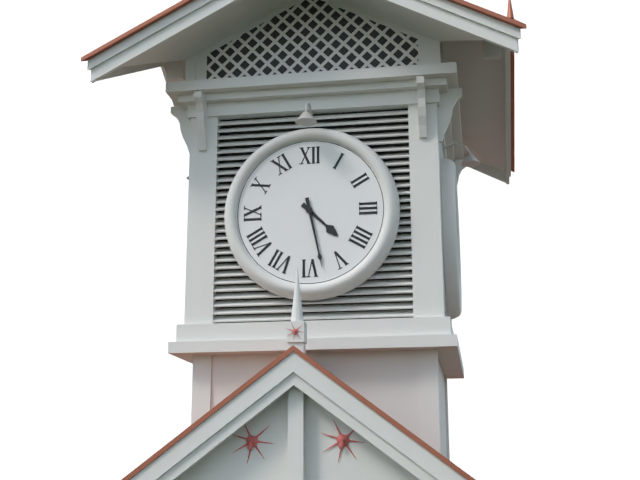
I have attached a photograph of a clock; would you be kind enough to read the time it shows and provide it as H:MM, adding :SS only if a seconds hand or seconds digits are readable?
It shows 4:28
